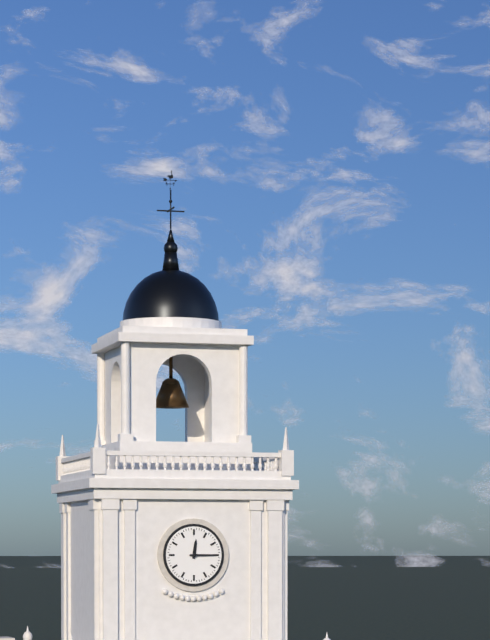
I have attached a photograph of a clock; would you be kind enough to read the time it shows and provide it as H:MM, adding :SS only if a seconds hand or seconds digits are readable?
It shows 12:15
